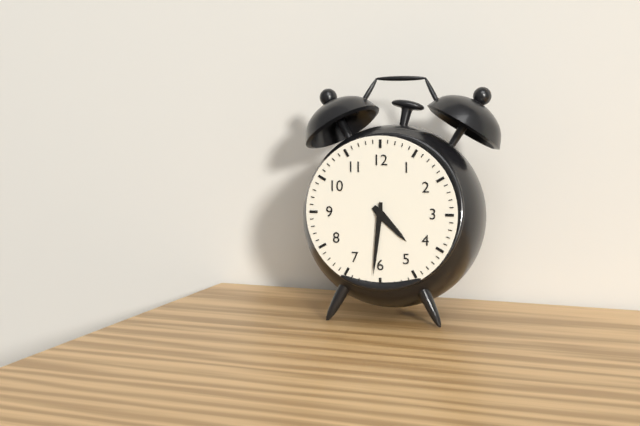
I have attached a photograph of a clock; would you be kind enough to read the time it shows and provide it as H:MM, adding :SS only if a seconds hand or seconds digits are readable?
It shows 4:31
